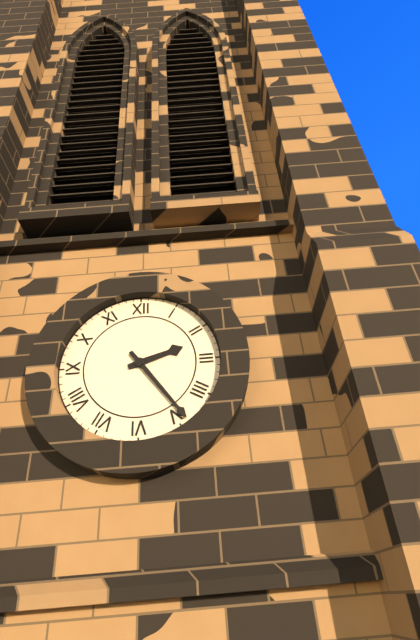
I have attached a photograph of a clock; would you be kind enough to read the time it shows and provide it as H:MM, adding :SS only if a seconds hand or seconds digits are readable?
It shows 2:24
